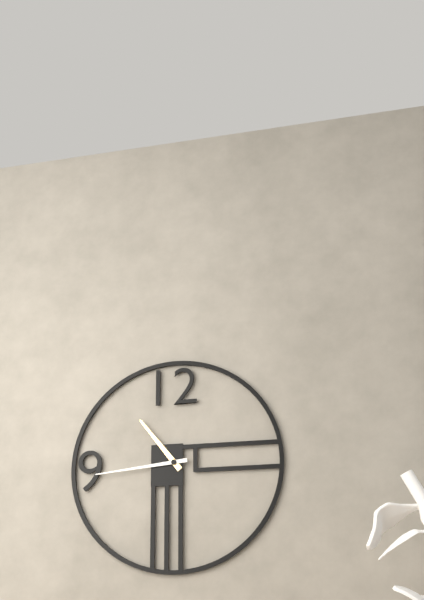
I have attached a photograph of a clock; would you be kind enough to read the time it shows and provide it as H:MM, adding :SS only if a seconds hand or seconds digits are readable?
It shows 10:44
